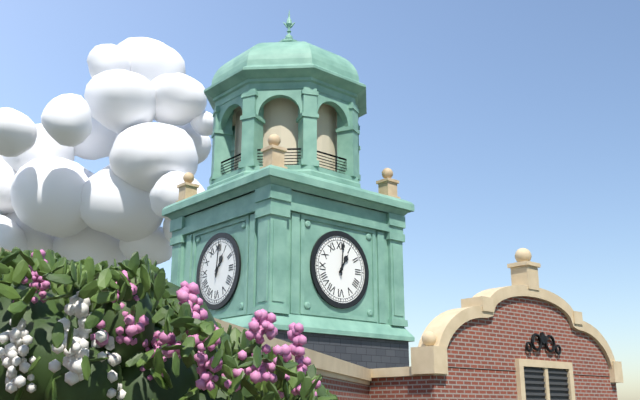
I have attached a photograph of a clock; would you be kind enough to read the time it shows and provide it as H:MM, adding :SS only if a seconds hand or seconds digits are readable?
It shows 1:01
